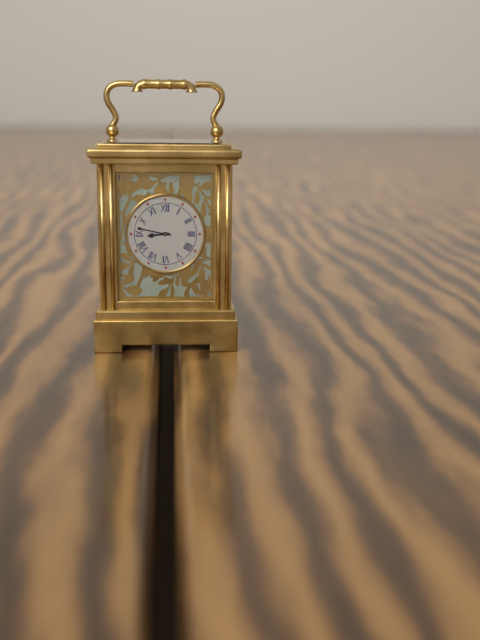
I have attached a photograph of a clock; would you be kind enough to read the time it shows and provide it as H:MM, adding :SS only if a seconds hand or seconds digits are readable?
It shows 8:47
